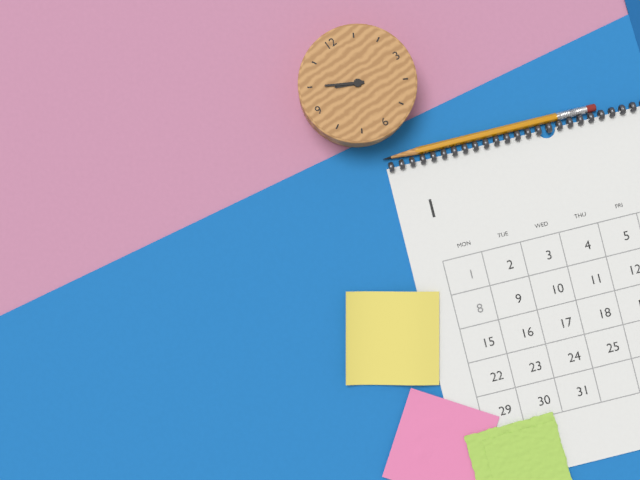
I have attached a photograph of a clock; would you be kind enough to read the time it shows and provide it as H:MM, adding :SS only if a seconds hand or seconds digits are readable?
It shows 9:50
